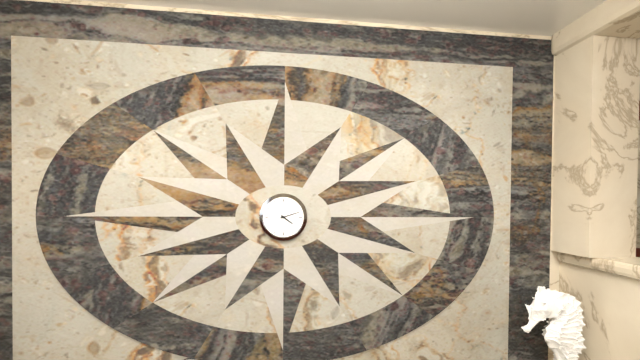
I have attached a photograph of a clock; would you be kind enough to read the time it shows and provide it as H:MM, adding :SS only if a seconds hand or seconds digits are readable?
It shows 4:12
